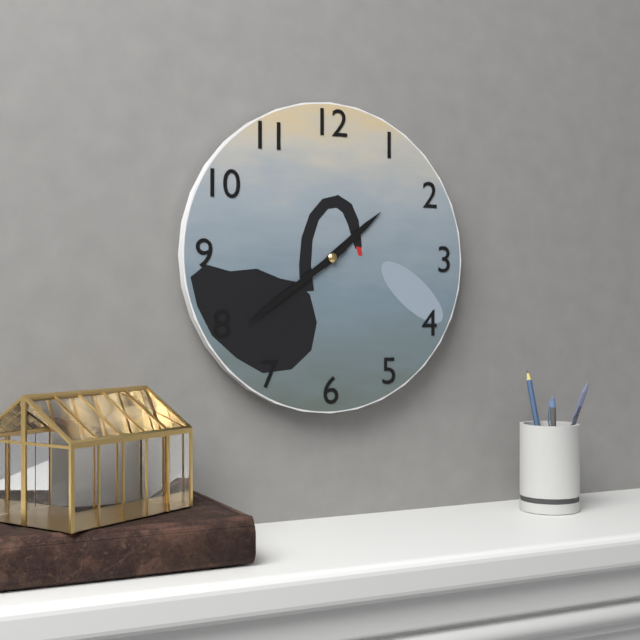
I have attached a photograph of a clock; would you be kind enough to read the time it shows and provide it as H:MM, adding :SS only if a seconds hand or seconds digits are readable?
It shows 1:39
